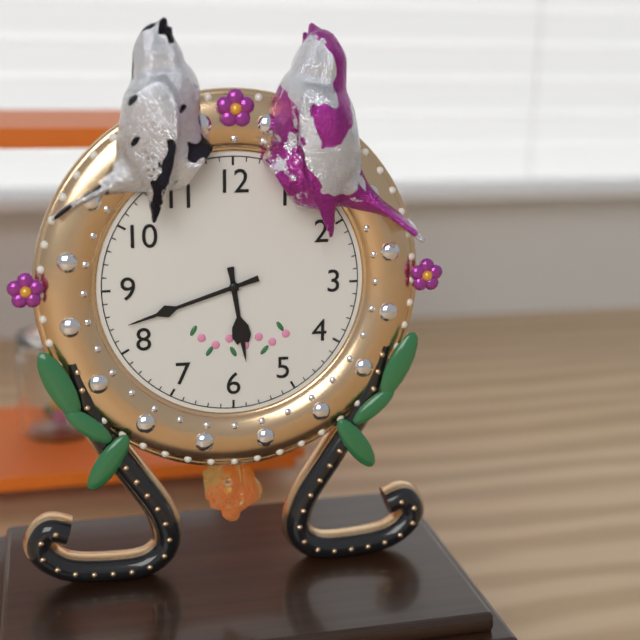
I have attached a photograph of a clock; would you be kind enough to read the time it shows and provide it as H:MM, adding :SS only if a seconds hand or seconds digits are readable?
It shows 5:42
